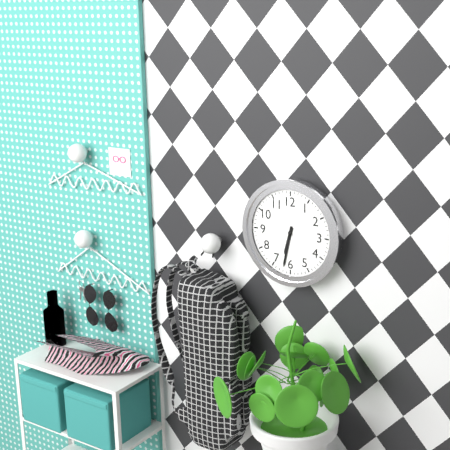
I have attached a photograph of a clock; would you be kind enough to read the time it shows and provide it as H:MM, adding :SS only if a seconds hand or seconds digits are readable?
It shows 6:32
